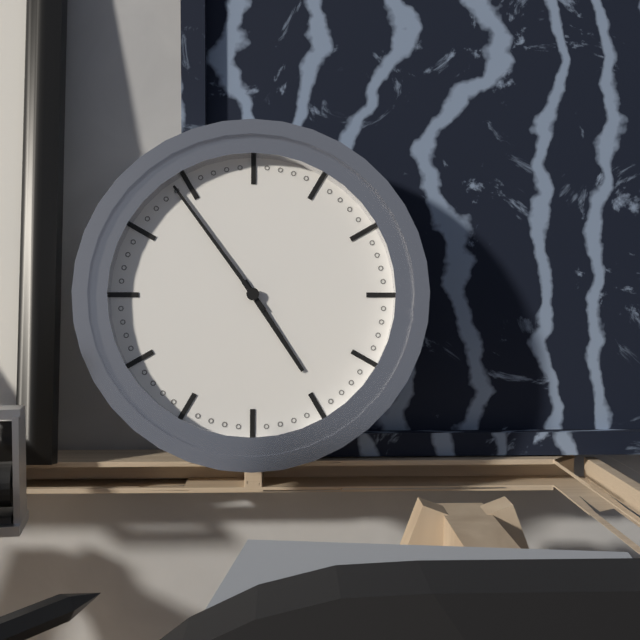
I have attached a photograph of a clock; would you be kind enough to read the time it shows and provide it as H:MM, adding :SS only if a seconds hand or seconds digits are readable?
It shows 4:54
